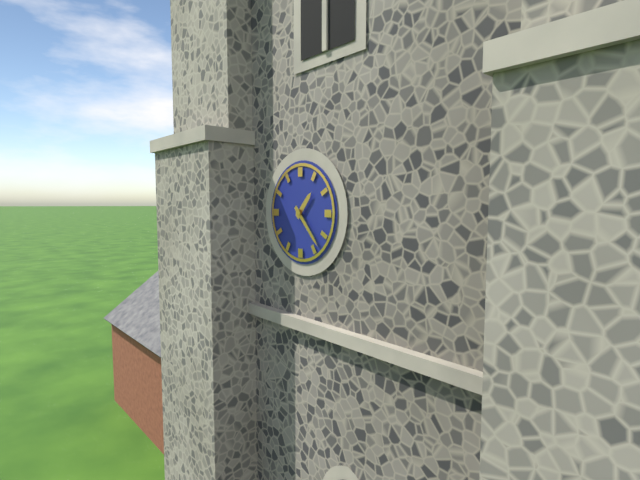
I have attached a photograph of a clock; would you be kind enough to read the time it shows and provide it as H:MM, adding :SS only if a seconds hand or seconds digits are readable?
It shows 1:23
